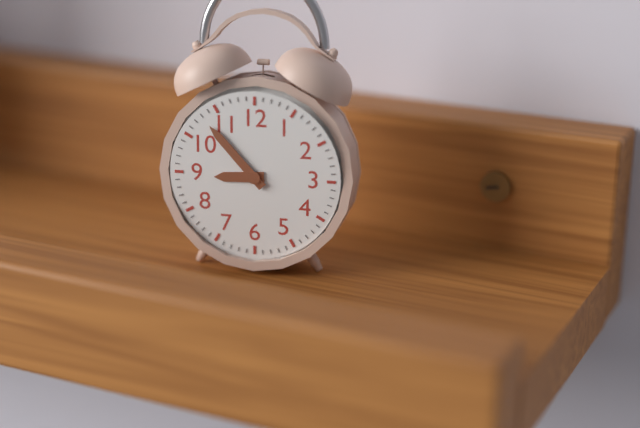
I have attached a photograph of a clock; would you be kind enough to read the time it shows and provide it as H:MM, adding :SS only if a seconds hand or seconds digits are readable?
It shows 8:53
